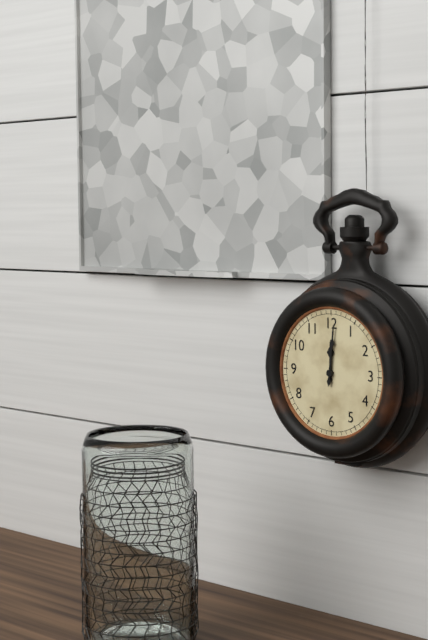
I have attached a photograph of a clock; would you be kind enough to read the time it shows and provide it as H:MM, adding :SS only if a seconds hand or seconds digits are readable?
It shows 12:01
